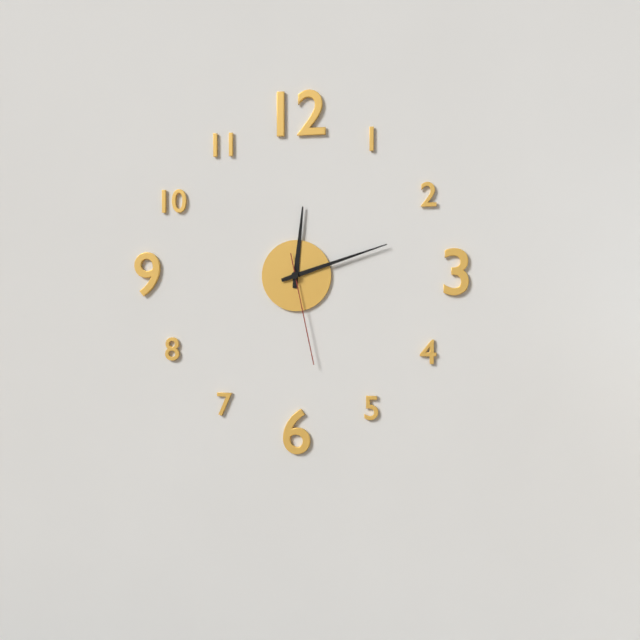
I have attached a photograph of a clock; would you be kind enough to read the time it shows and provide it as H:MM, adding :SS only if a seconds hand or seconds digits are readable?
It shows 12:12:28
